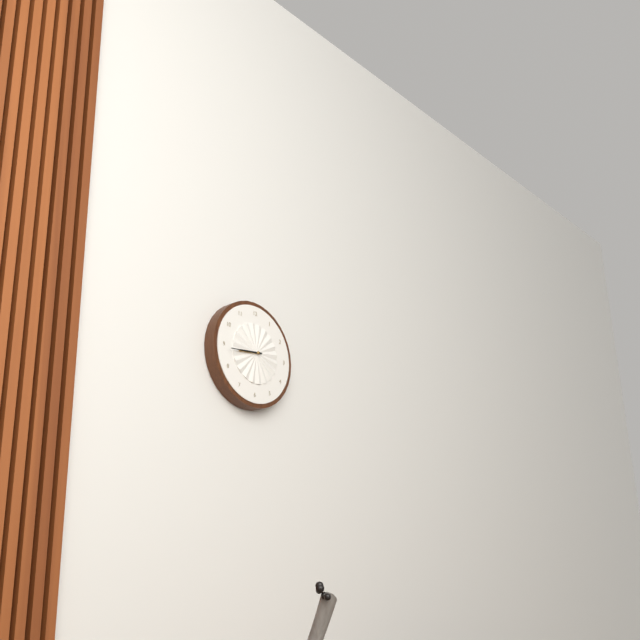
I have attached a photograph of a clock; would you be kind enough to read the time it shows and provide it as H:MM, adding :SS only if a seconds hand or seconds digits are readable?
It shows 8:44
